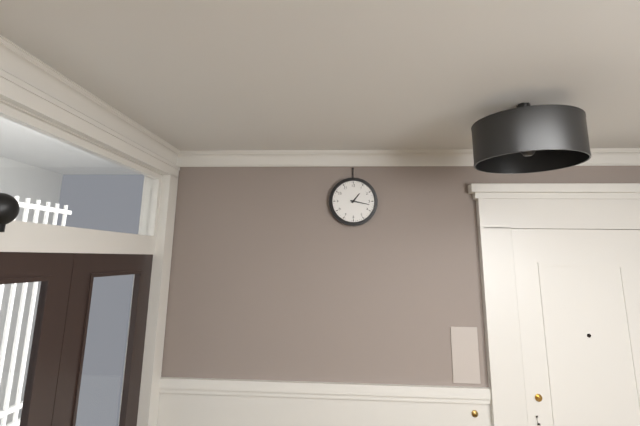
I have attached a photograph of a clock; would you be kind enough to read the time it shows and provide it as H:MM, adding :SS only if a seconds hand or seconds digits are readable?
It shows 1:17
